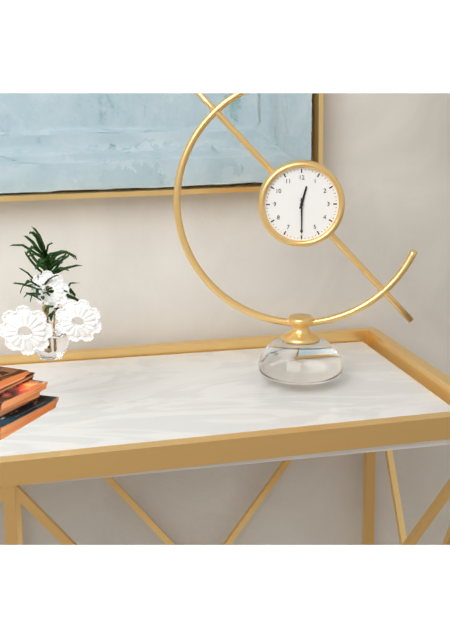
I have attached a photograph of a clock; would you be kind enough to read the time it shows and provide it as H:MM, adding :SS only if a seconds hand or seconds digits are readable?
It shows 12:30
